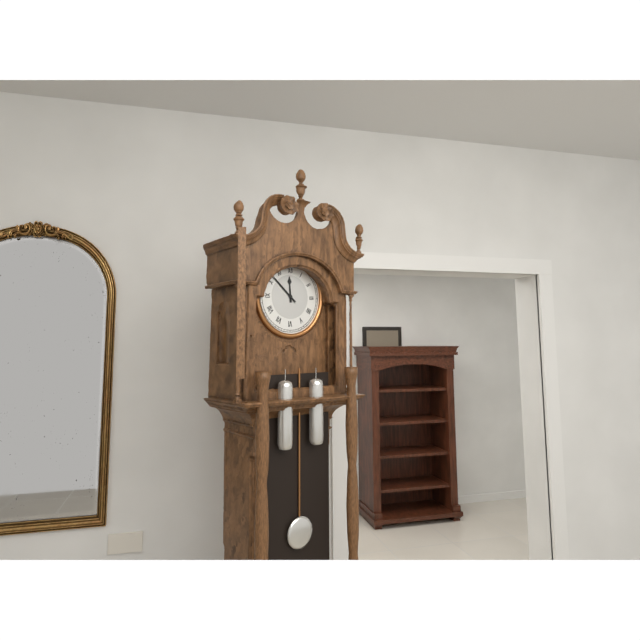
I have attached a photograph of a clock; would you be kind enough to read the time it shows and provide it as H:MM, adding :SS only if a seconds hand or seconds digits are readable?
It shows 11:52
